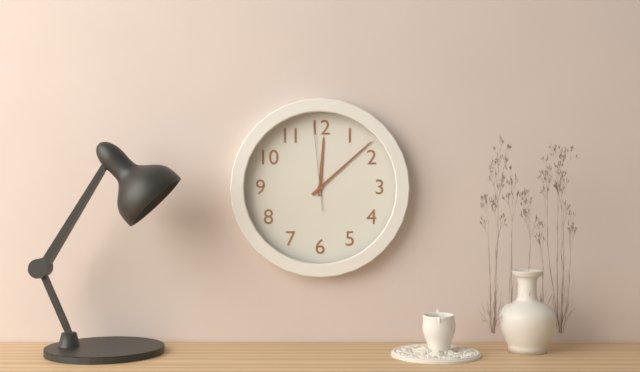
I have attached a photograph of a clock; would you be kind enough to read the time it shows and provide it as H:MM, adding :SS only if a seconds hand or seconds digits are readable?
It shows 12:08:59
